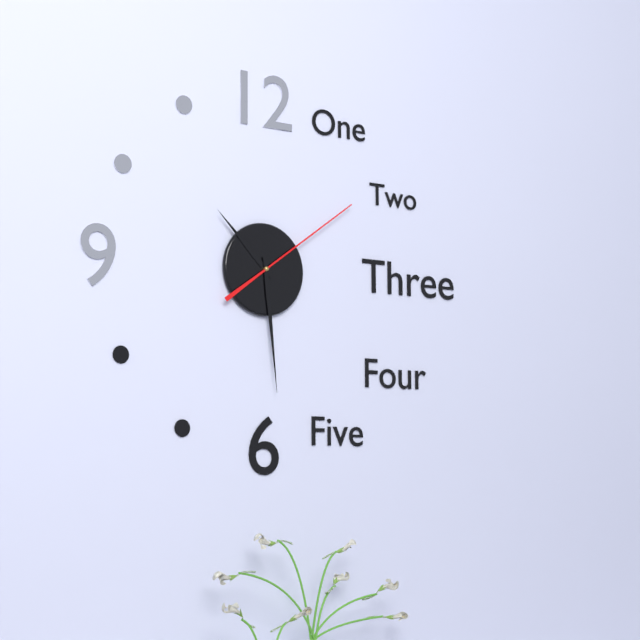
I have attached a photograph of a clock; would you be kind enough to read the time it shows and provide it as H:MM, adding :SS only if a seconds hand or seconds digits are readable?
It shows 10:29:09
